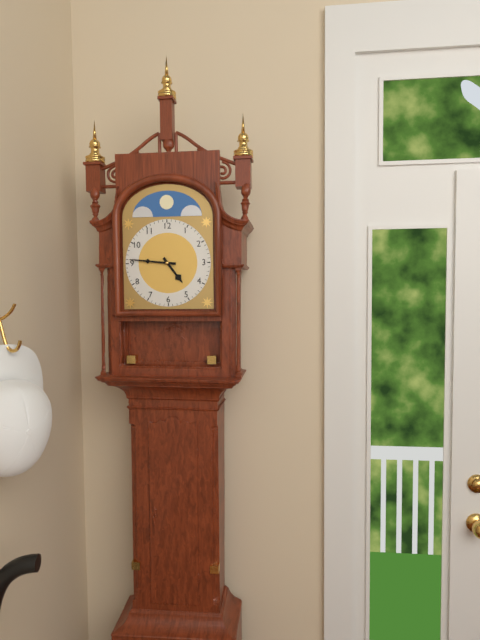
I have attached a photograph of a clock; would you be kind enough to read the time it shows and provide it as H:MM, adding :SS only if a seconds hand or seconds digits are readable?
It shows 4:46
